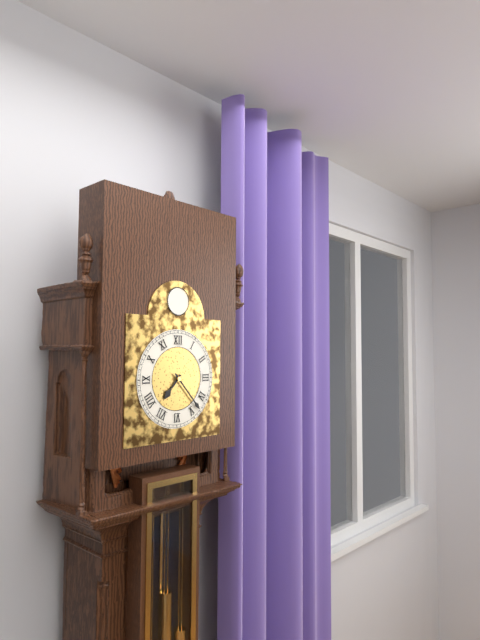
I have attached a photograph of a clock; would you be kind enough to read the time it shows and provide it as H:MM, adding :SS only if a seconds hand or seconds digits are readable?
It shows 7:23
